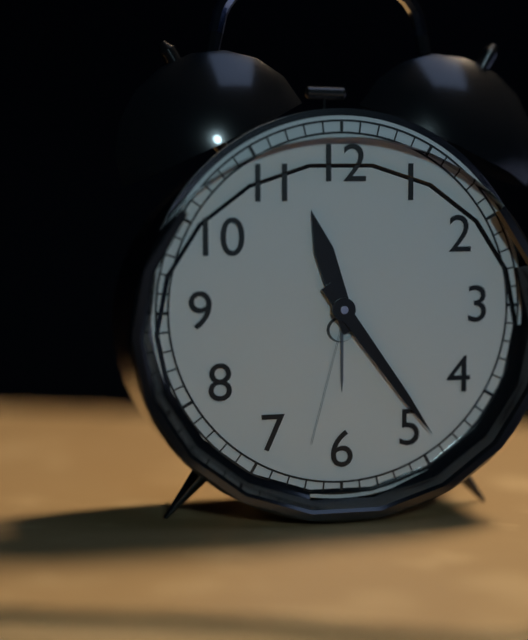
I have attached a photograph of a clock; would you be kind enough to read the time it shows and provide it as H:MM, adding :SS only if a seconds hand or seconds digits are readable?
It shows 11:24
